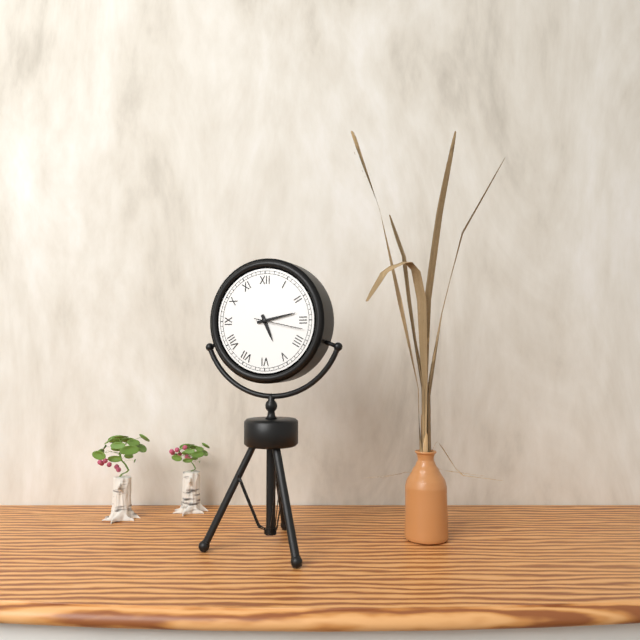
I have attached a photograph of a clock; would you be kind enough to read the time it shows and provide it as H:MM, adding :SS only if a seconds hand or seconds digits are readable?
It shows 5:13
